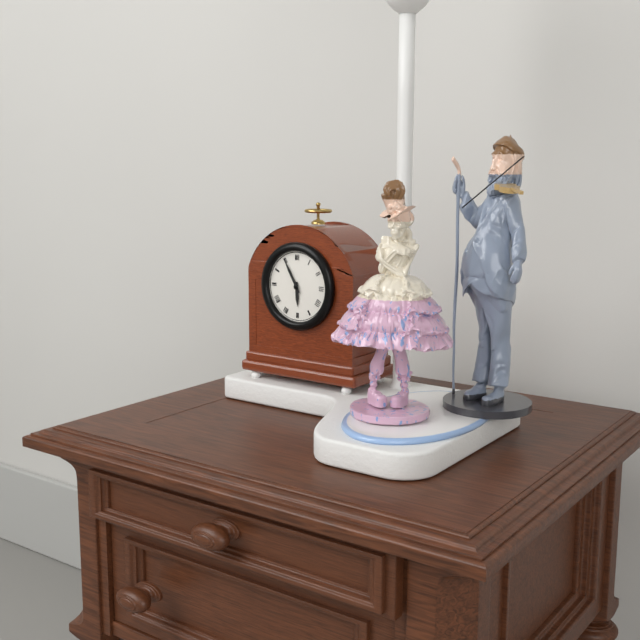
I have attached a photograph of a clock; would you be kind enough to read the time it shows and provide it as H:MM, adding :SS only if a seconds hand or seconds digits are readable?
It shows 5:55
